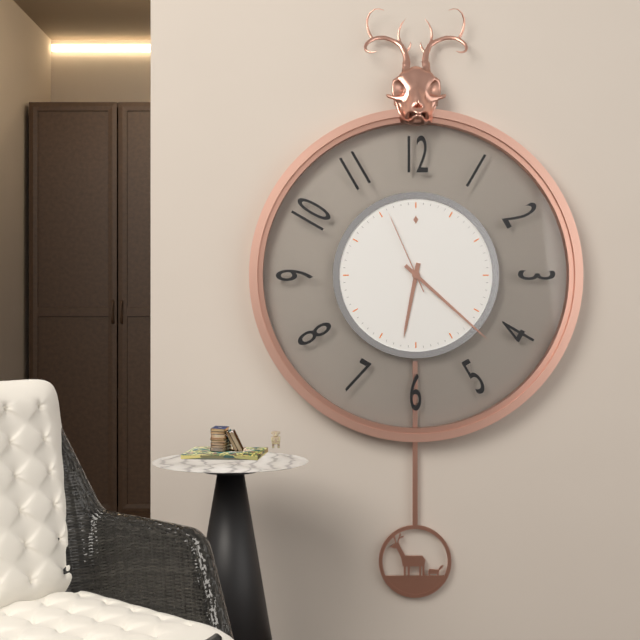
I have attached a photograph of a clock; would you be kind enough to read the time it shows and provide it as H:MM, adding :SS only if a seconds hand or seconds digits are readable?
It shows 6:22:56
